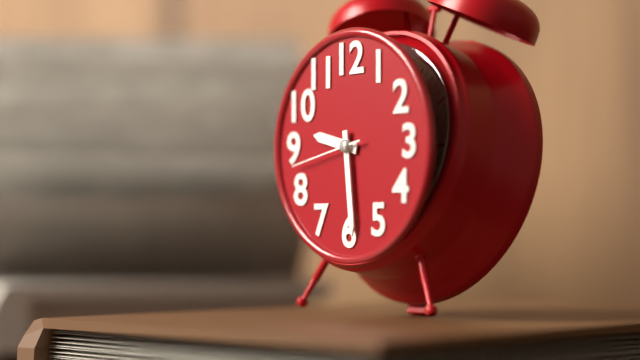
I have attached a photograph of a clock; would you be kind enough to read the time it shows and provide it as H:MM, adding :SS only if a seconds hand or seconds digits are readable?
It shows 9:29:43
